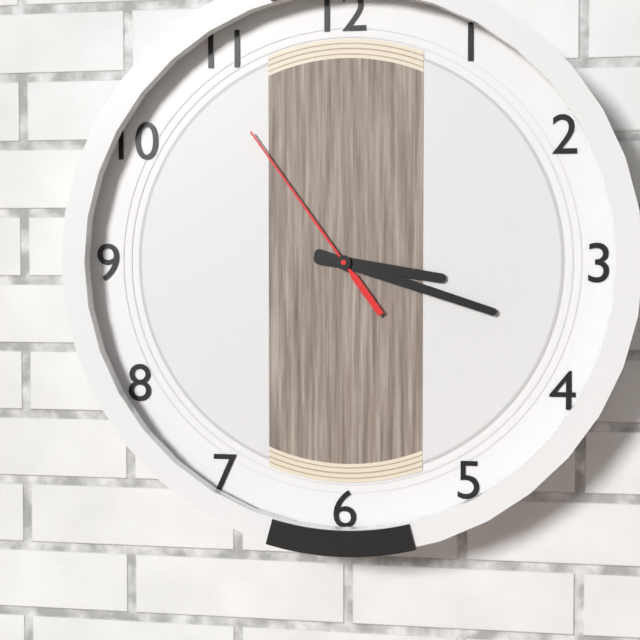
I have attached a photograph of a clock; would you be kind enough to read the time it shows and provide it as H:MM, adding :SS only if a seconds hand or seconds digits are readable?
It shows 3:18:54
